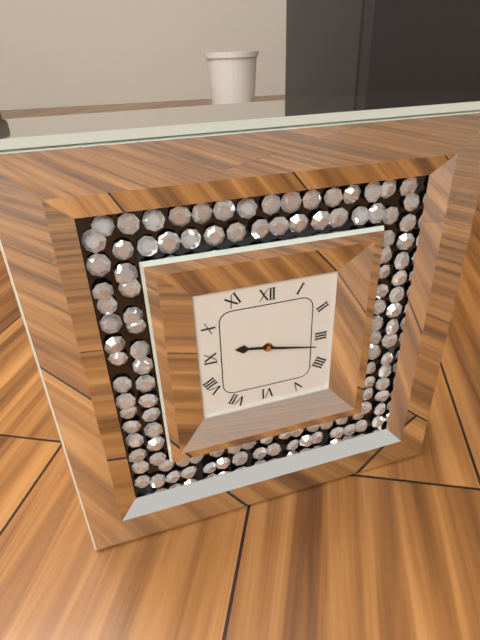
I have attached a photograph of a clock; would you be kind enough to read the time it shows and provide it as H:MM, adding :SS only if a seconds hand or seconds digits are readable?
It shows 9:17
